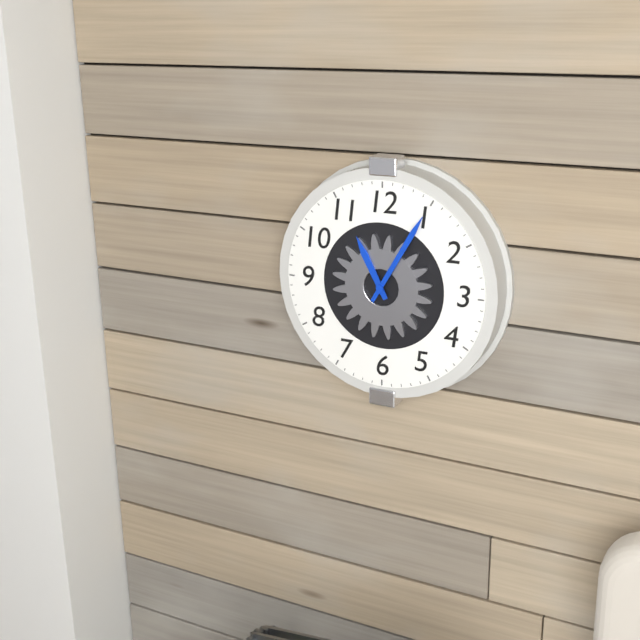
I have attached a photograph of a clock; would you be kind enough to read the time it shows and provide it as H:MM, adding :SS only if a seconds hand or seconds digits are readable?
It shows 11:05
